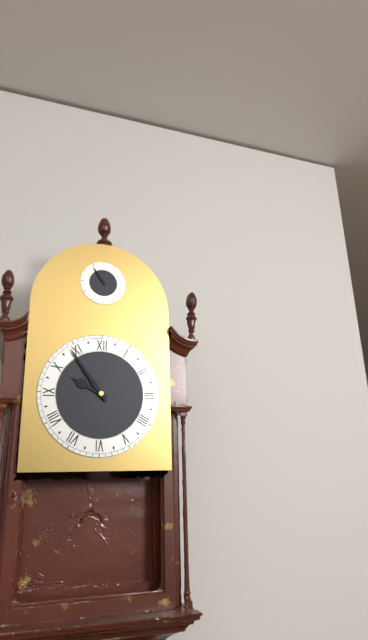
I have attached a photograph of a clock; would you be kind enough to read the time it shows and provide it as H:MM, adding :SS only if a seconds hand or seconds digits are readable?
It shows 9:54
